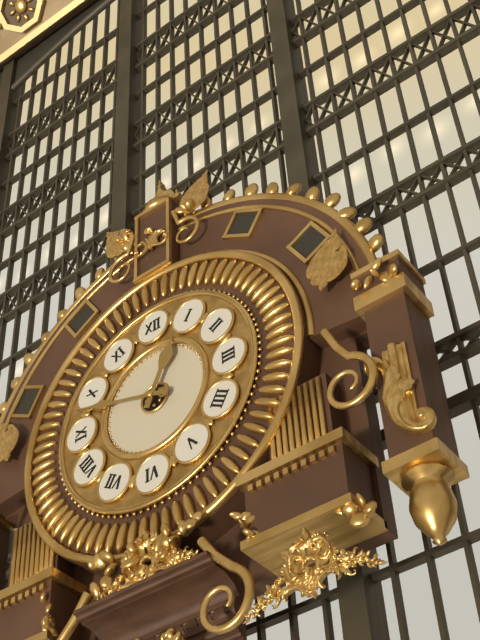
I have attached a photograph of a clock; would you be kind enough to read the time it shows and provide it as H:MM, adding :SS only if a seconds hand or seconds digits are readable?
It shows 12:48
